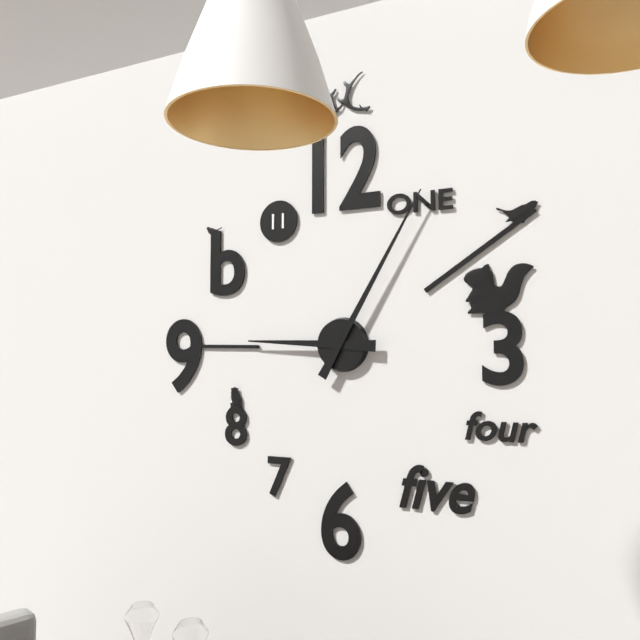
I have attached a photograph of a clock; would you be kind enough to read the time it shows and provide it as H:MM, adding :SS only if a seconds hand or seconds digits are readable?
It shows 9:05
